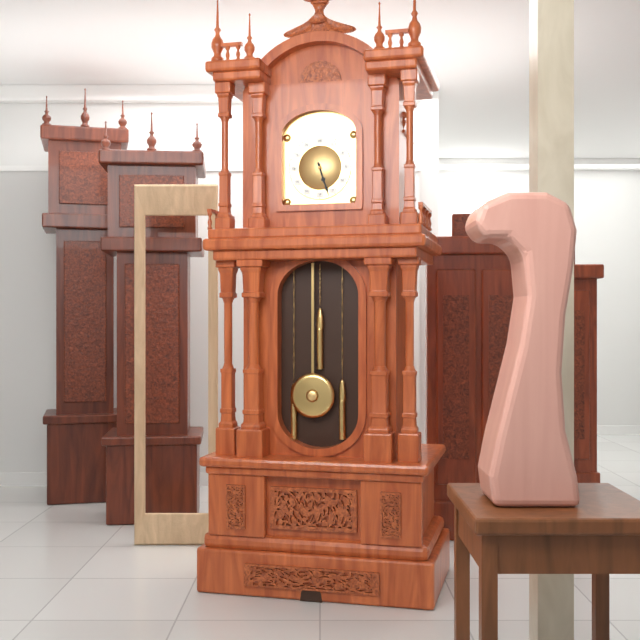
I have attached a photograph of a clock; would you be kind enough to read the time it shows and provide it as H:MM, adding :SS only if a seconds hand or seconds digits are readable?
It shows 5:27
